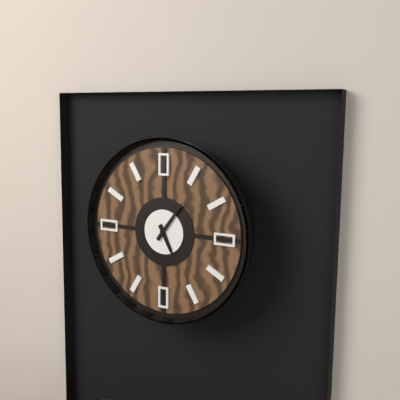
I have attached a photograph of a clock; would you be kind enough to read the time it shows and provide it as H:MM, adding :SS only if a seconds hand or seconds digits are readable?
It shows 5:06
